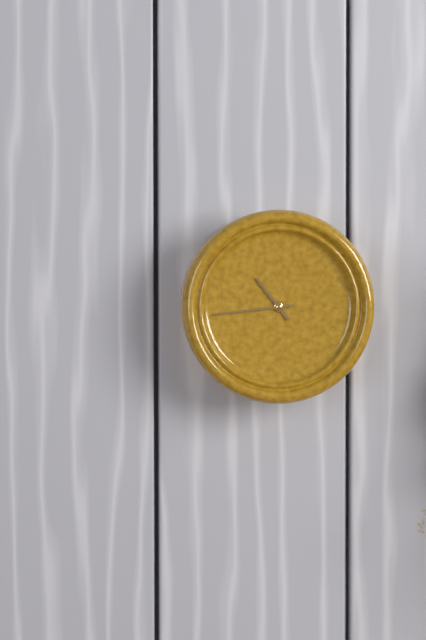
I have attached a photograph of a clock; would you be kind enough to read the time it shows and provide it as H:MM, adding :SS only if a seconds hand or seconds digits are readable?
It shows 10:44
